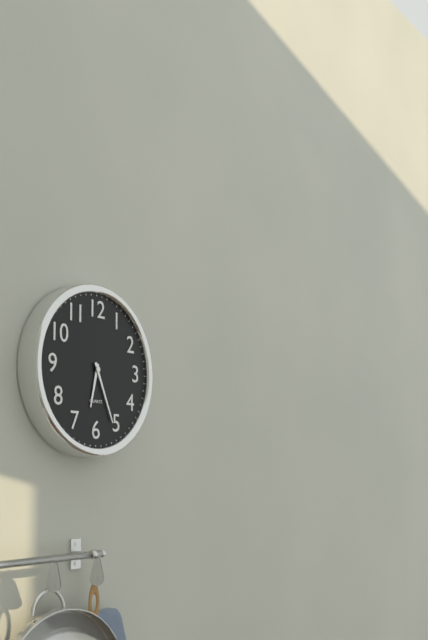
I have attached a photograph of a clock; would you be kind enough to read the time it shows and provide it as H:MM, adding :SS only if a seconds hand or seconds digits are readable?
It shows 6:26
